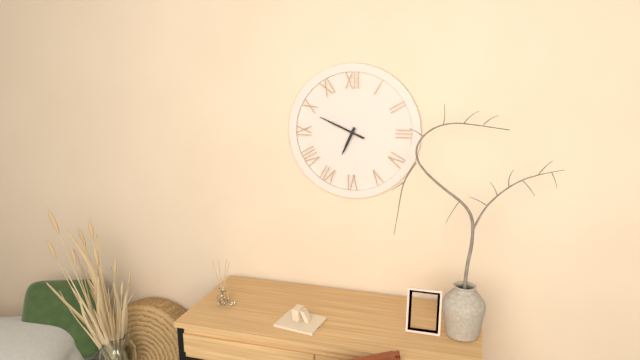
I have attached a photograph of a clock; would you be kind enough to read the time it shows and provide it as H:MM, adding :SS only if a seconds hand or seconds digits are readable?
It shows 6:49
